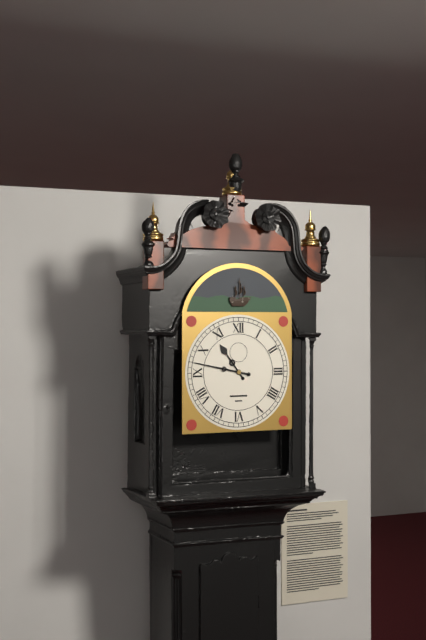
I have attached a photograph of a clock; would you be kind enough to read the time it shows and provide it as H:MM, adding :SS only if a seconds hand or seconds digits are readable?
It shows 10:47
